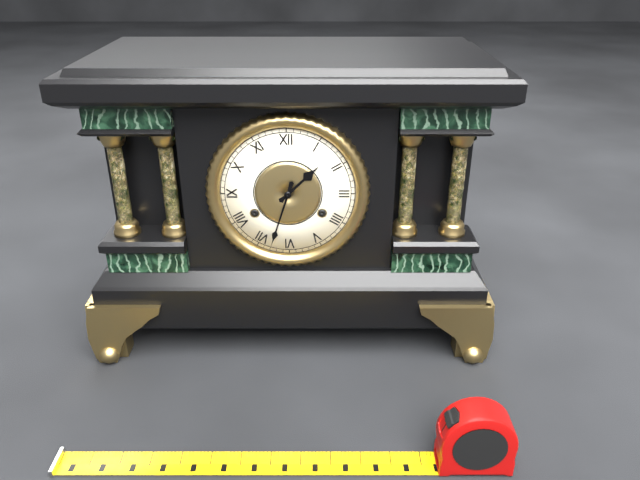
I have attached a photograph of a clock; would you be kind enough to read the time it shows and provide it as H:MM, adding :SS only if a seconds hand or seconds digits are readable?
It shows 1:33
